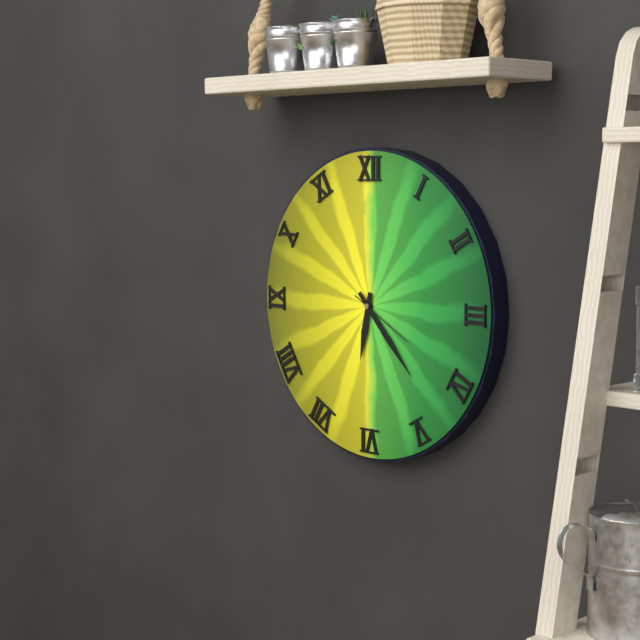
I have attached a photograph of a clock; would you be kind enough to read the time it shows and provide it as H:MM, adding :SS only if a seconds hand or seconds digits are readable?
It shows 6:23:20
